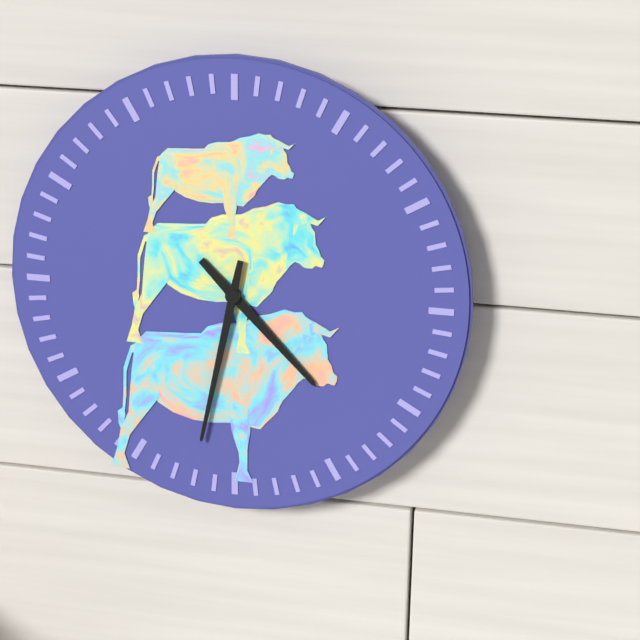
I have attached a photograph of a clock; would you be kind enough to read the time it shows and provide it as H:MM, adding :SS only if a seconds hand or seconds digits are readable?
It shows 4:32
